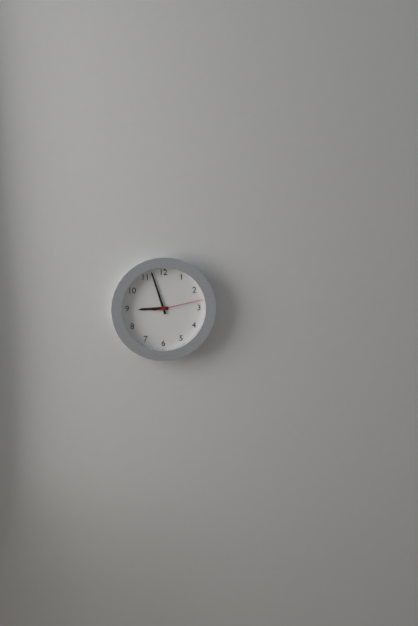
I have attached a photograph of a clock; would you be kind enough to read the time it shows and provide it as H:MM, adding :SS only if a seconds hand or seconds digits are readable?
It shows 8:57:13
